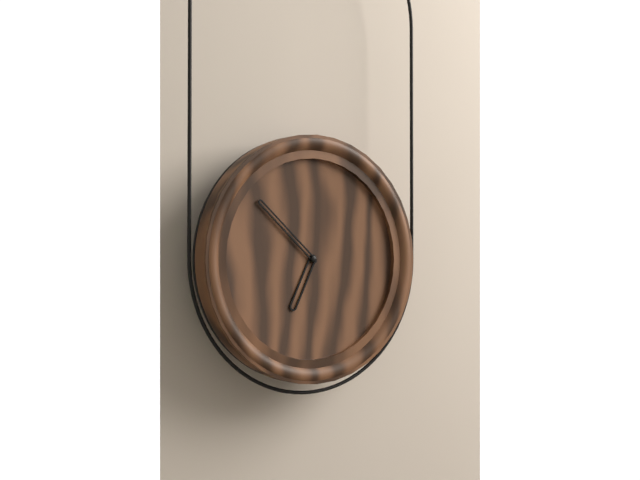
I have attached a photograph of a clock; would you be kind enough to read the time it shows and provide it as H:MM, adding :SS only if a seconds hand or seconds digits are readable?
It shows 6:52
